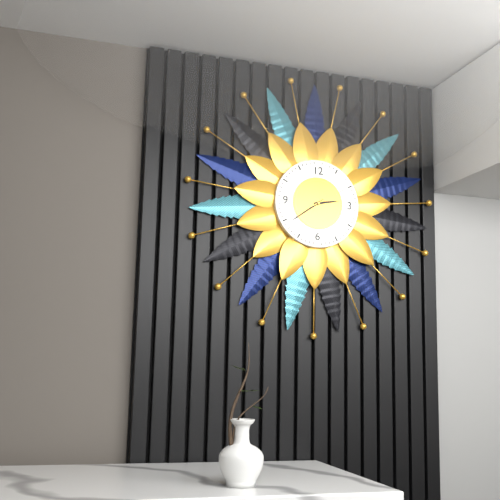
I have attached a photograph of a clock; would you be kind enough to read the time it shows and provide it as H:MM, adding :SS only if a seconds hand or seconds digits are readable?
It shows 2:39
